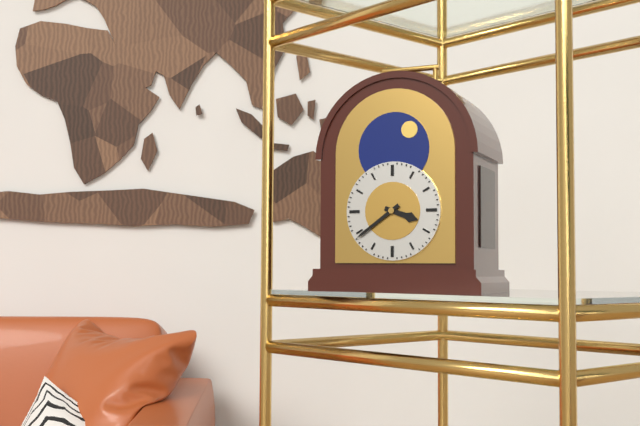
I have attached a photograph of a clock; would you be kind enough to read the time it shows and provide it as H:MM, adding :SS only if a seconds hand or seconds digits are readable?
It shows 3:39
